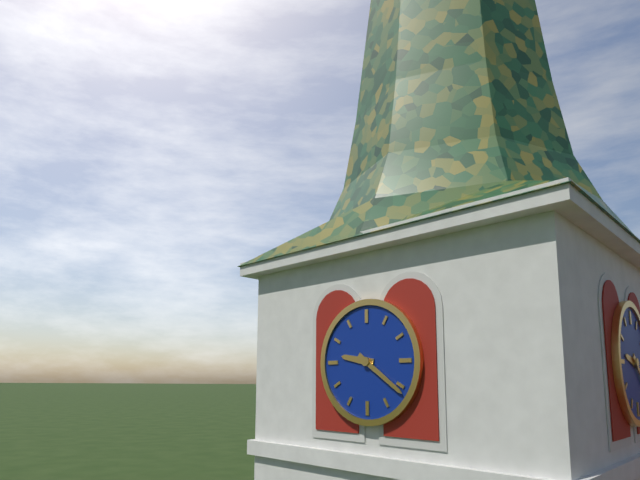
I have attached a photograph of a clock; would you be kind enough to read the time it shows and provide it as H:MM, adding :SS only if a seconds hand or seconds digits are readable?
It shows 9:21
